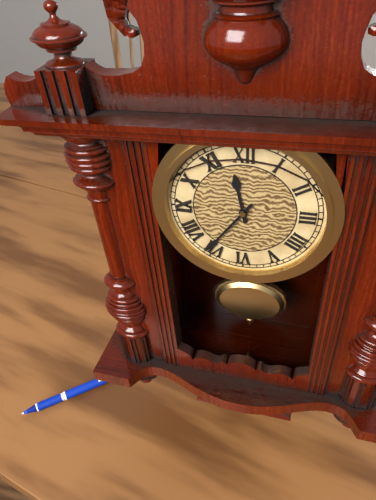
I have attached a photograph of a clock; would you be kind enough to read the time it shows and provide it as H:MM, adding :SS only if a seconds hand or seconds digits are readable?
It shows 11:36
